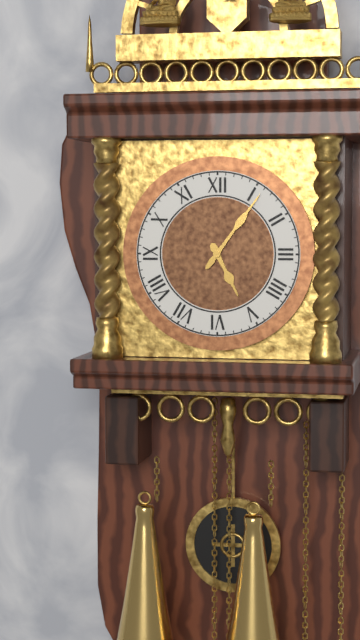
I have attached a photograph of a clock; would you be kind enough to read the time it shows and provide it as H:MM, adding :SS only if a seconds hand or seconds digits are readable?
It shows 5:06
